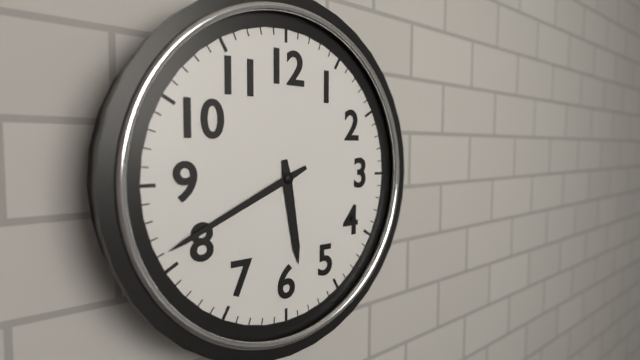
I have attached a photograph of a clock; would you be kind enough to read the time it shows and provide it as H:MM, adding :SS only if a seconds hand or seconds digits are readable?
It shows 5:41
